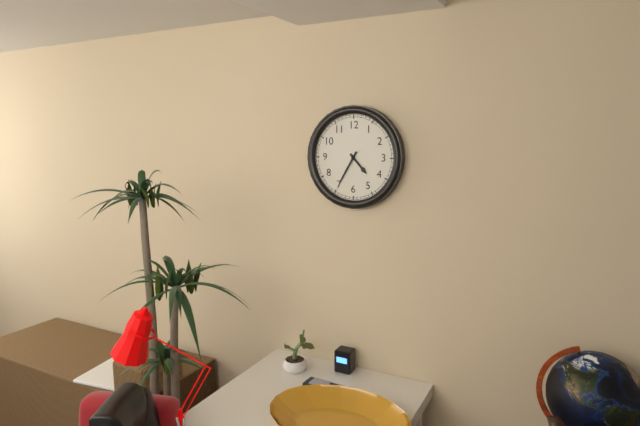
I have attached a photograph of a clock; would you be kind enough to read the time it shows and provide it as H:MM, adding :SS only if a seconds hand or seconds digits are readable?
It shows 4:35
